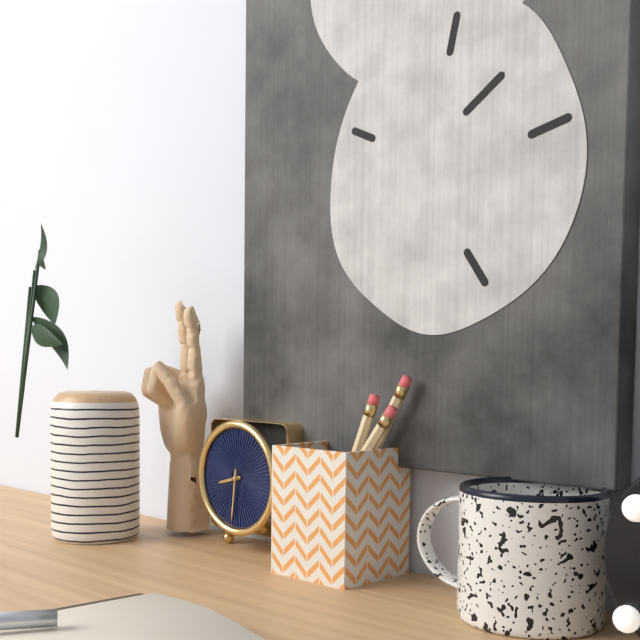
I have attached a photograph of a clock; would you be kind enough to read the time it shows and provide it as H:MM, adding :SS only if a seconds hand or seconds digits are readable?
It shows 8:31
